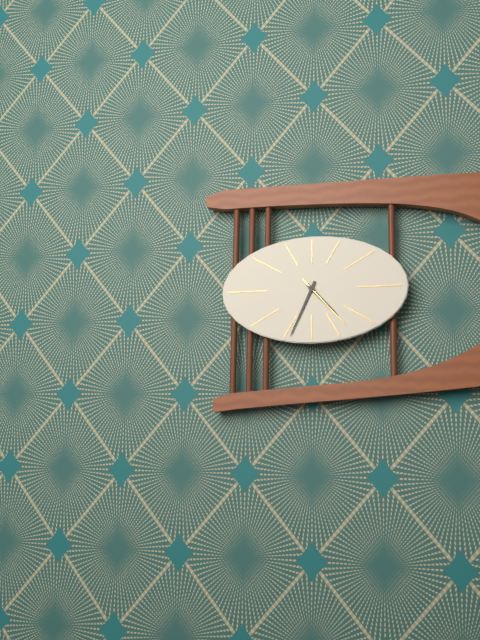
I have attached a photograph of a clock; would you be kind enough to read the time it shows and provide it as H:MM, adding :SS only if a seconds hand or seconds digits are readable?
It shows 4:34:23
